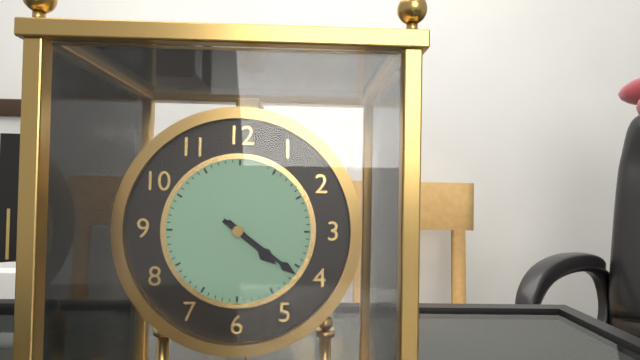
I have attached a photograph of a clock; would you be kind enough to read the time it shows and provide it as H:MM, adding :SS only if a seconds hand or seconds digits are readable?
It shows 4:21
